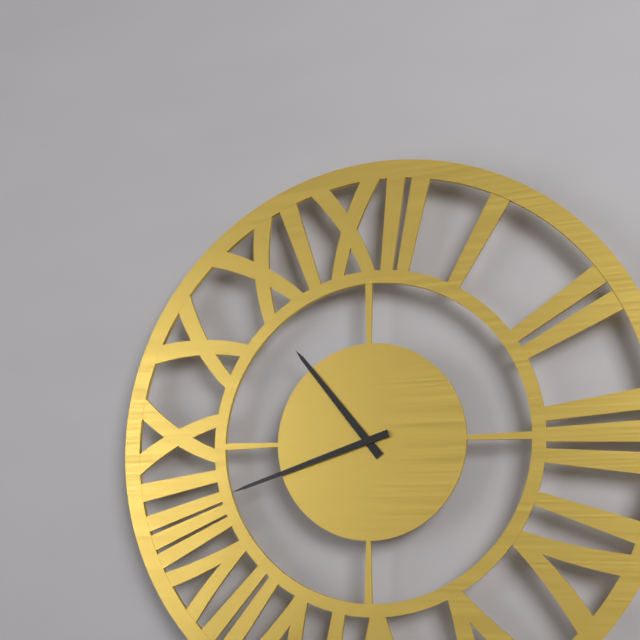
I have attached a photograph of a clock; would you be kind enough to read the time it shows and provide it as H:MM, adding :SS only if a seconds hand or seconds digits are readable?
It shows 10:42
